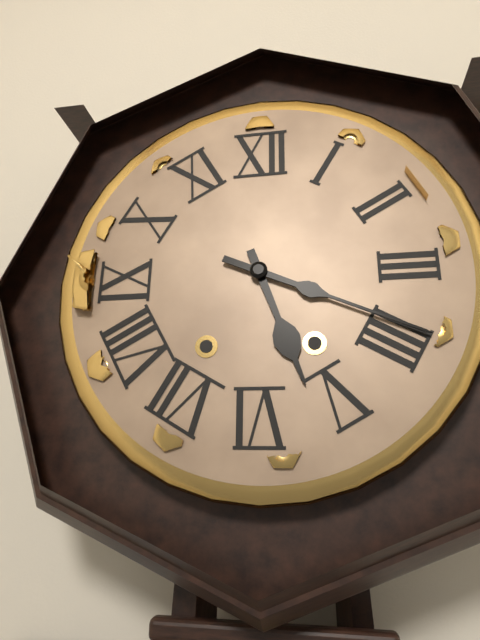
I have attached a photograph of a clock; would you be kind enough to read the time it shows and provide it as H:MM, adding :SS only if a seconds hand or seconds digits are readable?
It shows 5:19
